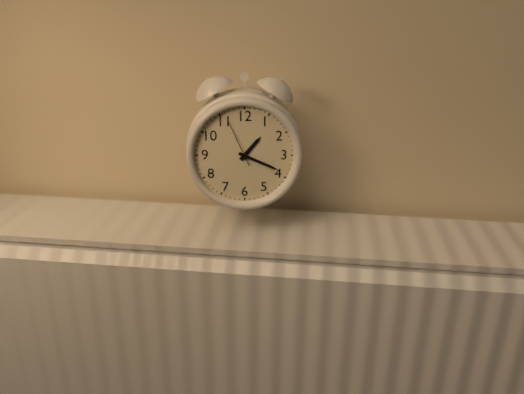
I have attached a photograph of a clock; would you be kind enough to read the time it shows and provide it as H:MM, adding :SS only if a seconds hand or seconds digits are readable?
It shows 1:19:56
